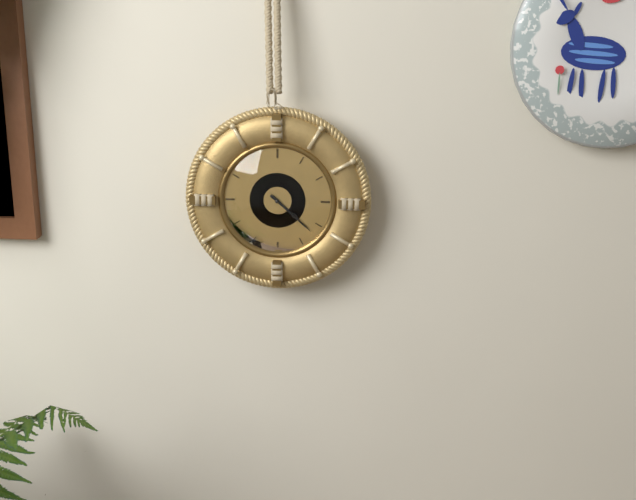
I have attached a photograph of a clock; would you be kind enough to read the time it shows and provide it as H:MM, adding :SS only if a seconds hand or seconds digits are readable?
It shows 4:22
